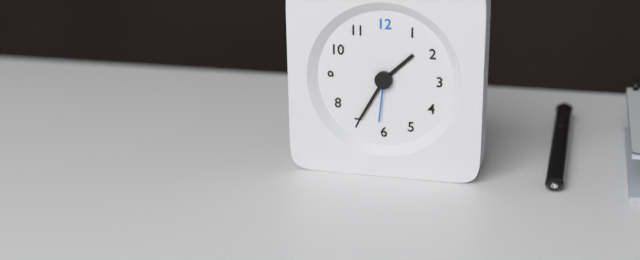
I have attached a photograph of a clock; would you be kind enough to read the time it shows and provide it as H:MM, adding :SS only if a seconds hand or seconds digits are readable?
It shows 1:35:31
